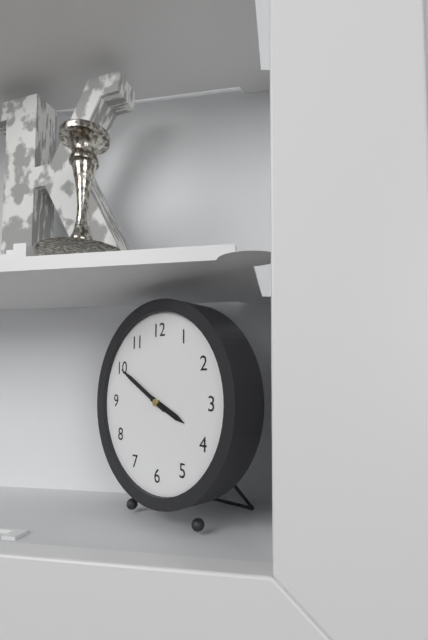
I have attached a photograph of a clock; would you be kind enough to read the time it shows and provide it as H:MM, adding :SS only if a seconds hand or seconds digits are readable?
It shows 3:50
